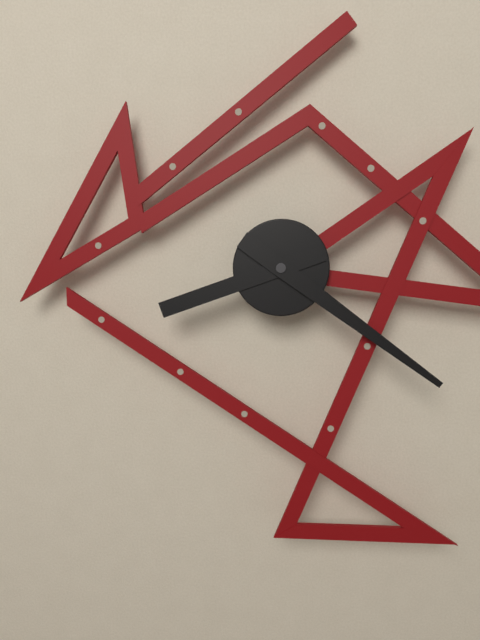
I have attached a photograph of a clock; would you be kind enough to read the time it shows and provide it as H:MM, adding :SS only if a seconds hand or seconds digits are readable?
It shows 8:21
